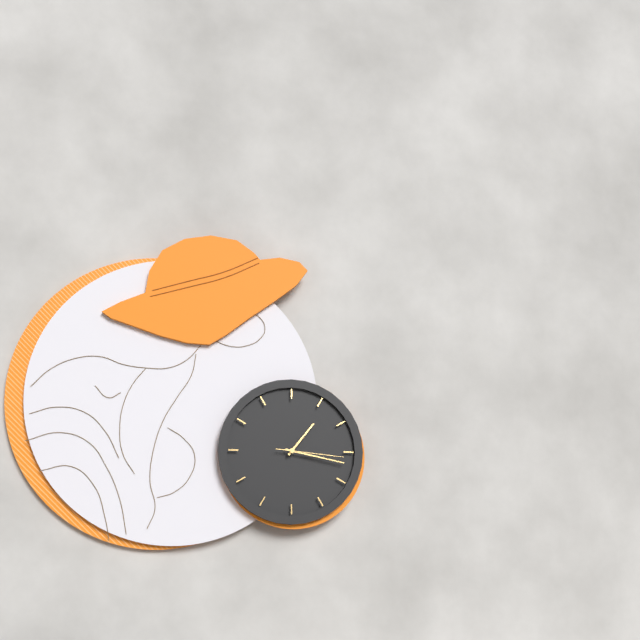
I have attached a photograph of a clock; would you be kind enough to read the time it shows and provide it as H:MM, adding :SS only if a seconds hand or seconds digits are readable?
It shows 1:17:16
